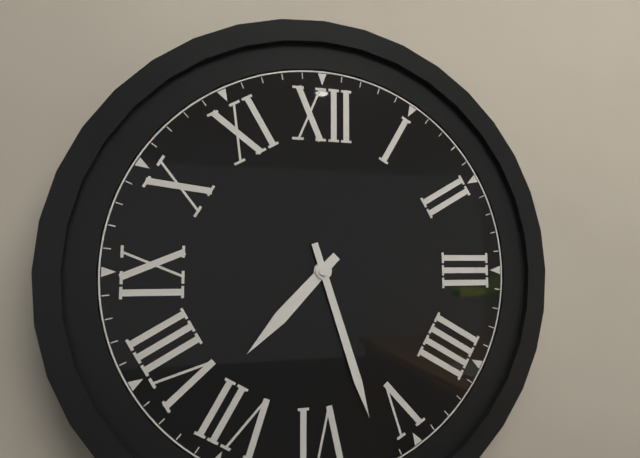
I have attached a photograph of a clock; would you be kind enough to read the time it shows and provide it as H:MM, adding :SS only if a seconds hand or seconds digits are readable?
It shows 7:27
